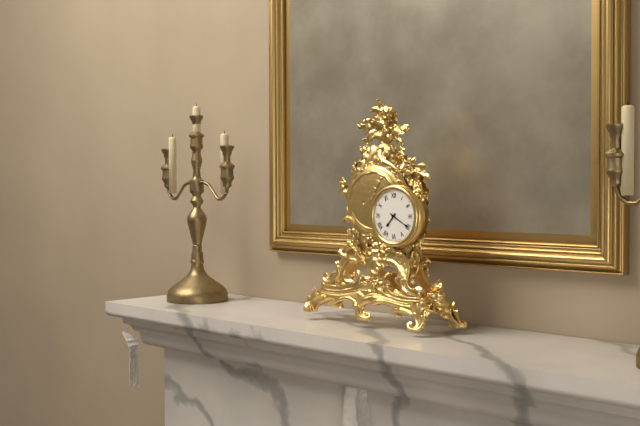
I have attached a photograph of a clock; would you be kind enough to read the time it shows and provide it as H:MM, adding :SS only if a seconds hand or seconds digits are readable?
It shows 7:20
